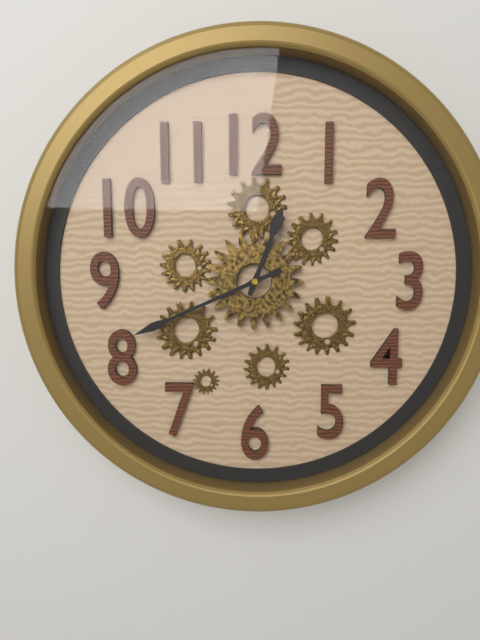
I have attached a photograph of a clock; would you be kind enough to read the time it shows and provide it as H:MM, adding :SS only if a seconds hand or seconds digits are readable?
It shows 12:41
